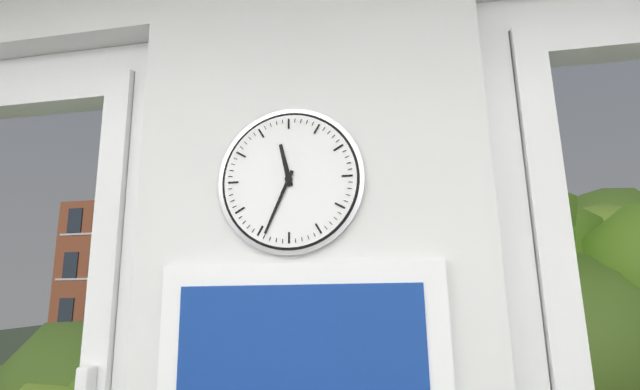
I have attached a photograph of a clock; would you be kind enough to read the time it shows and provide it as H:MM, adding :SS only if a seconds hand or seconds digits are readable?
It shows 11:34
